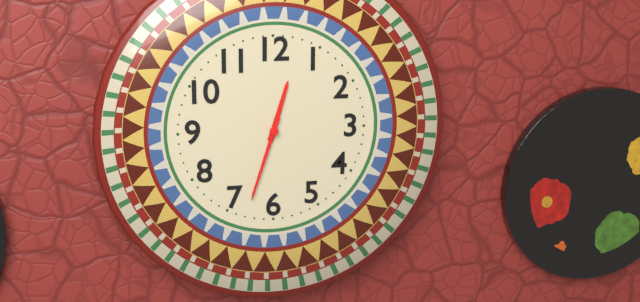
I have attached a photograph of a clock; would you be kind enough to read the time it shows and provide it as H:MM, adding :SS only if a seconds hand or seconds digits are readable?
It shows 12:33
